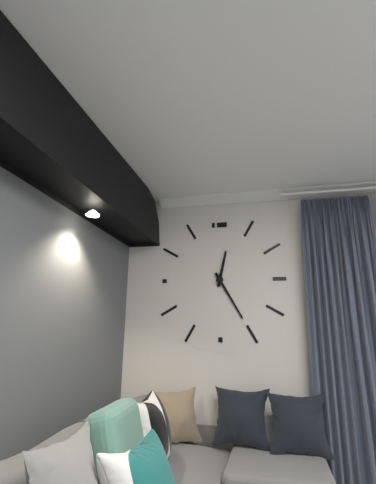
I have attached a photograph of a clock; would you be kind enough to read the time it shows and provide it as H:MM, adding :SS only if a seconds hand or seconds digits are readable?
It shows 12:25
